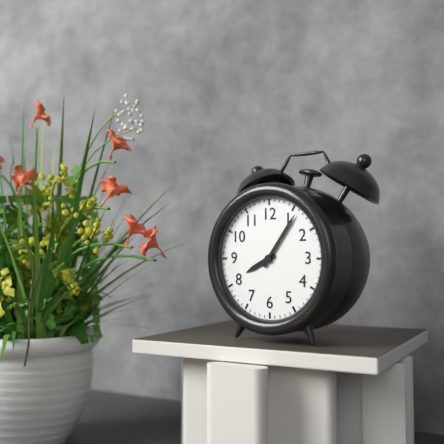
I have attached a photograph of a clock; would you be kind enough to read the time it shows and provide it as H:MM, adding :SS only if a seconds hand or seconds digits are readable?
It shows 8:06
